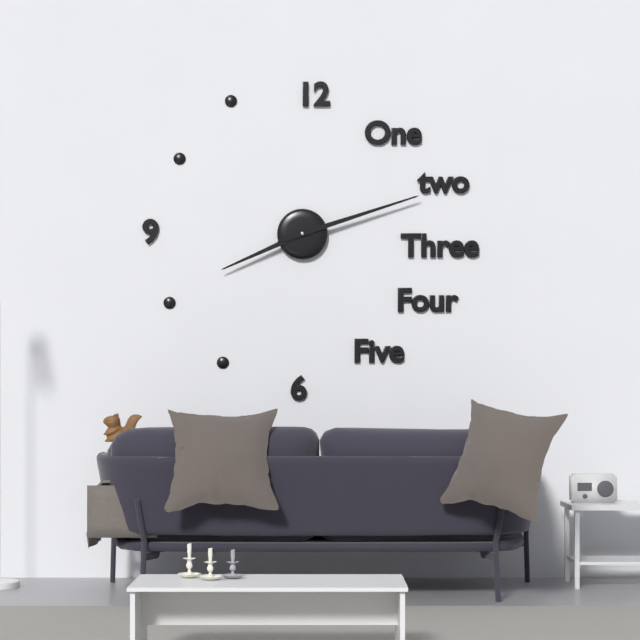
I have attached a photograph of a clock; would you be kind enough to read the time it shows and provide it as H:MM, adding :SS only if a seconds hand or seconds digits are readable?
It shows 8:12
